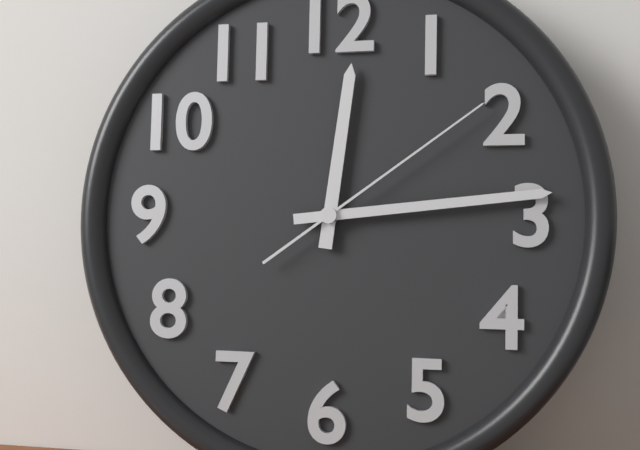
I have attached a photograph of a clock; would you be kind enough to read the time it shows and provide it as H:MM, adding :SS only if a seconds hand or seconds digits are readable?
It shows 12:14:09
